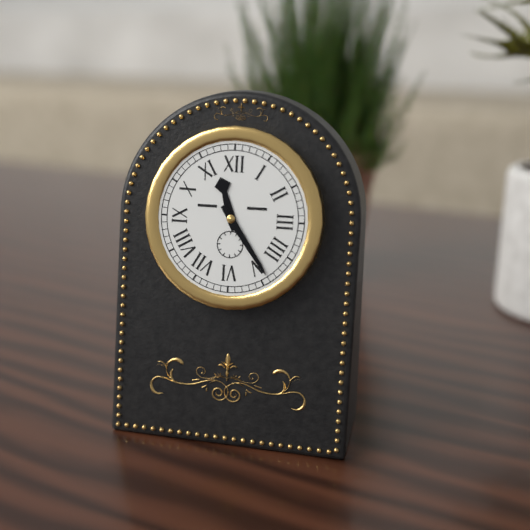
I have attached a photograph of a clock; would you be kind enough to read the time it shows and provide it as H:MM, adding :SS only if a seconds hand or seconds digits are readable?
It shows 11:24
